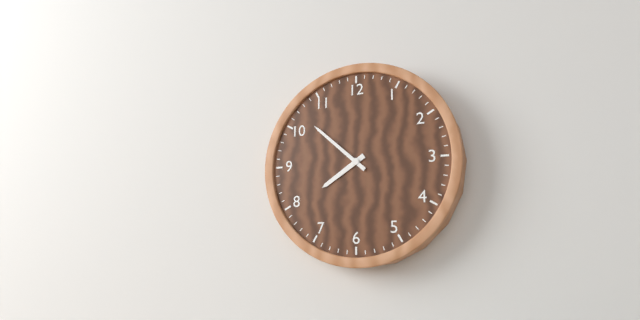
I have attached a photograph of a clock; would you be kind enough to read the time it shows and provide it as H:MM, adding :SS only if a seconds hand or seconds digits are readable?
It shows 7:52
